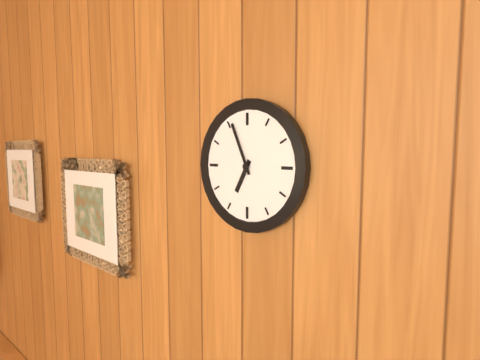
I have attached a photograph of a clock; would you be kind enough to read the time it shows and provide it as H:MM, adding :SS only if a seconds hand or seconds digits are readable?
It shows 6:56
